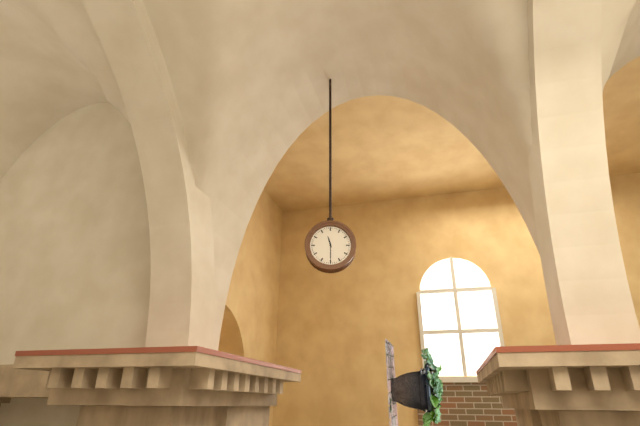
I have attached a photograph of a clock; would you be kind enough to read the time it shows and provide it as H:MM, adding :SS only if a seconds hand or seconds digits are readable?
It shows 11:30
